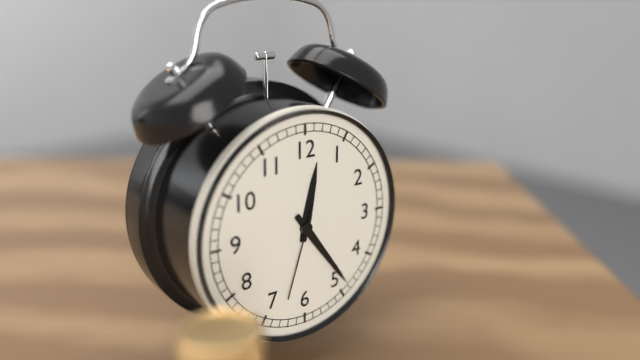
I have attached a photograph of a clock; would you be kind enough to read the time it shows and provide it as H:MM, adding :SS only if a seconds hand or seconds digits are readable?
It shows 12:24:33
